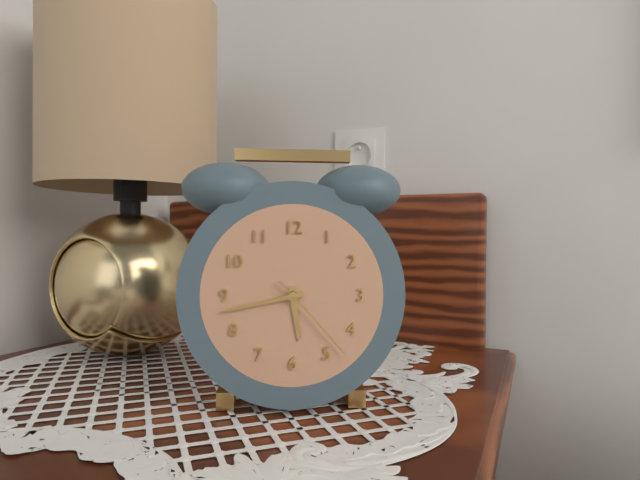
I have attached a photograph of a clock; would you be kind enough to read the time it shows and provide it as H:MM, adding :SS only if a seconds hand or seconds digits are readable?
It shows 5:43:23
